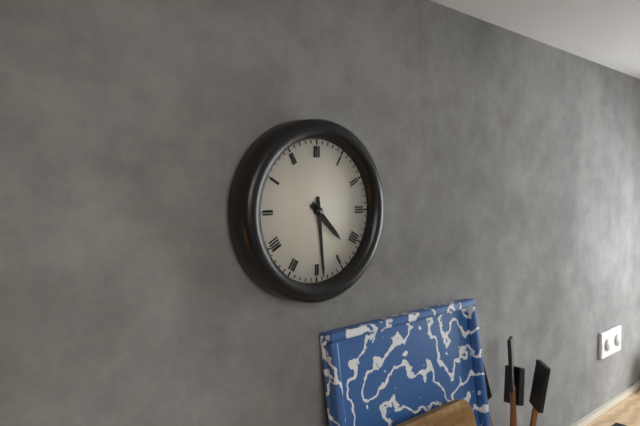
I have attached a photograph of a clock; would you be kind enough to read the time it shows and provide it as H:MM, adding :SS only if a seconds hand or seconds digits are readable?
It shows 4:29
